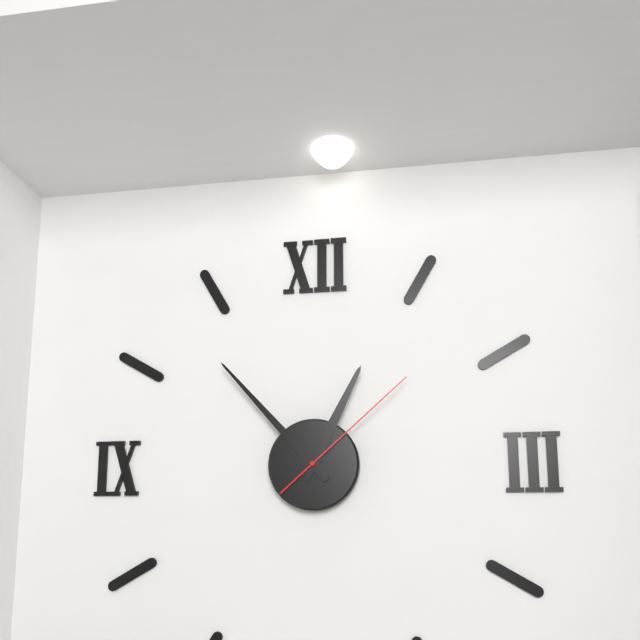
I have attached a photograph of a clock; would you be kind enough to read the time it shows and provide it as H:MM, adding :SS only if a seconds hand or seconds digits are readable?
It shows 12:53:08
